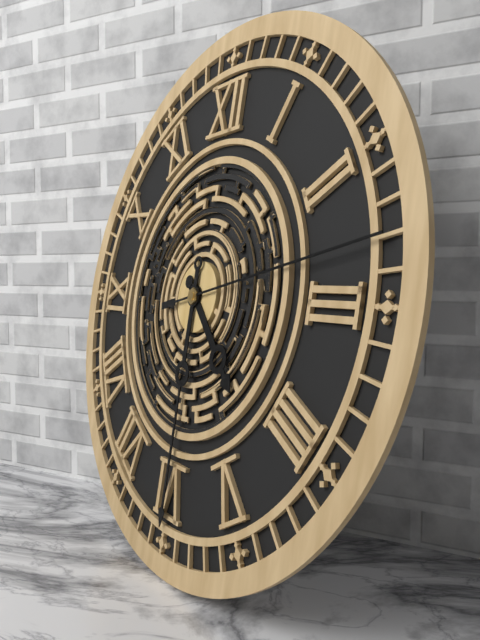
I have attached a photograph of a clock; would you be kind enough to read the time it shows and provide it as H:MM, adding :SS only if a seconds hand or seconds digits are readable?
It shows 4:30:13
